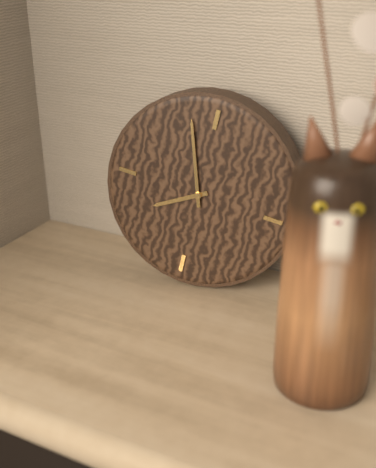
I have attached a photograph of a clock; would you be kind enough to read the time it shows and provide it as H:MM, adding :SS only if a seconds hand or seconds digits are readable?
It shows 7:57
